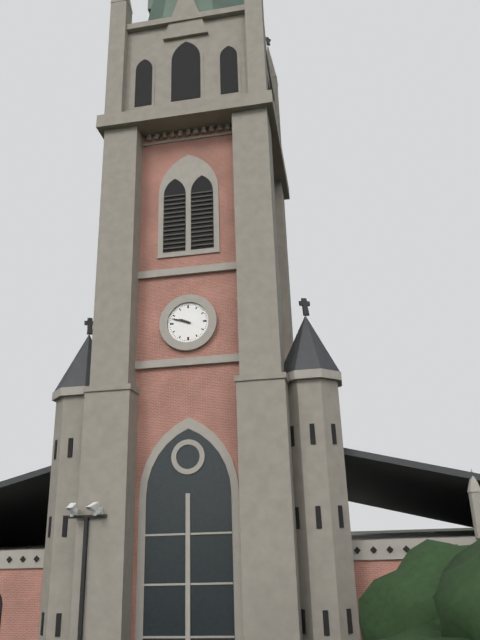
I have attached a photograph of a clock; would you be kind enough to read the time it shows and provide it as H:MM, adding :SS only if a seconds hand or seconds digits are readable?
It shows 9:48
